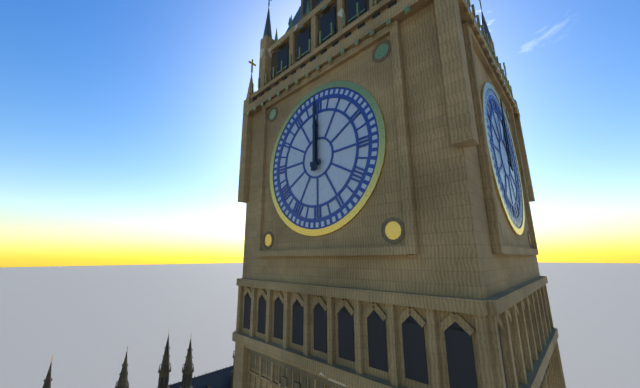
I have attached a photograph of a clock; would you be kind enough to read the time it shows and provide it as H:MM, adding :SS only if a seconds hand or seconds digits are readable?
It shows 12:00
